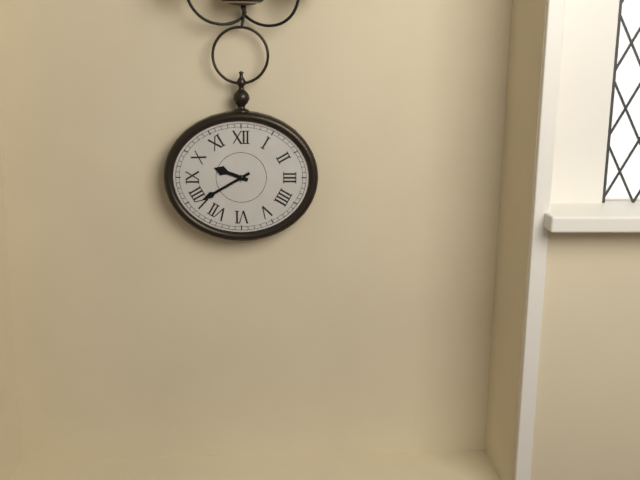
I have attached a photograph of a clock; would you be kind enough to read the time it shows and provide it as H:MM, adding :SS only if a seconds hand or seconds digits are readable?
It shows 9:40
